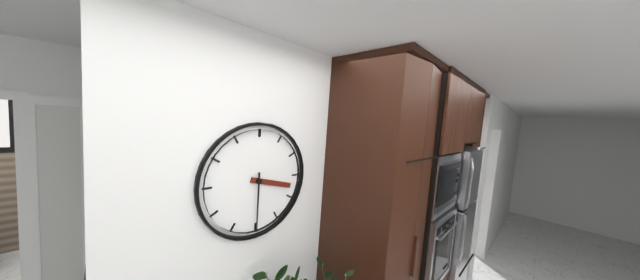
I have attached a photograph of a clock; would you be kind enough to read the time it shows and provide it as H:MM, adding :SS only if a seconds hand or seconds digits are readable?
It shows 3:30
